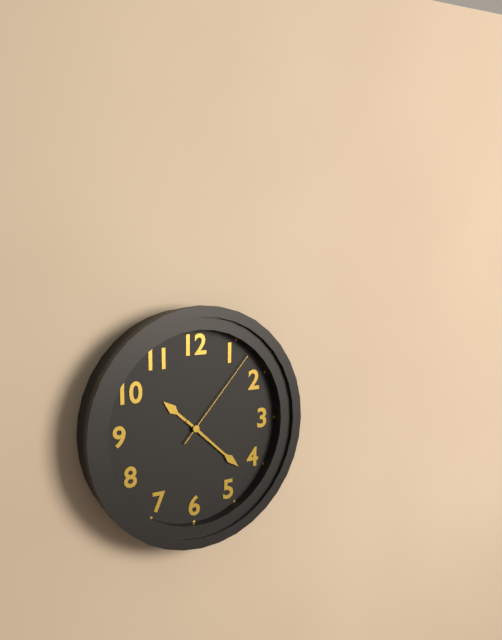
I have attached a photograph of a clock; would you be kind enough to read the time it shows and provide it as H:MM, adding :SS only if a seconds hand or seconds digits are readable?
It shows 10:22:07
